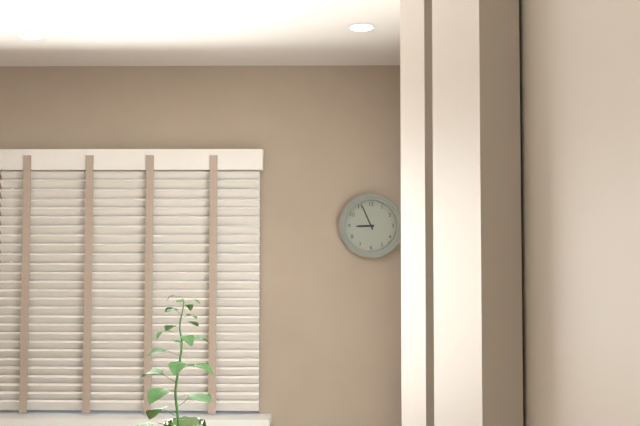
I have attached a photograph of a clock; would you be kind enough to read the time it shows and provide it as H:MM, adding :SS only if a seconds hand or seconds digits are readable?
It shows 8:56
